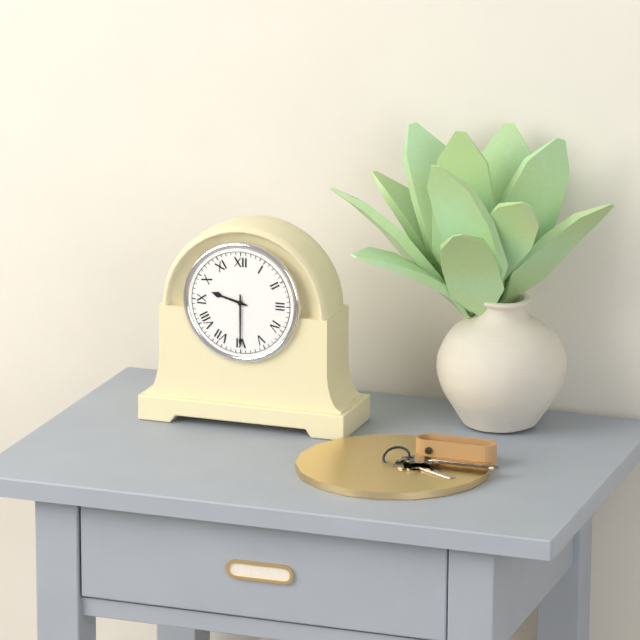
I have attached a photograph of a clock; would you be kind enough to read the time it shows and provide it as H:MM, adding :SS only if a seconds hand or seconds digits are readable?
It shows 9:30
